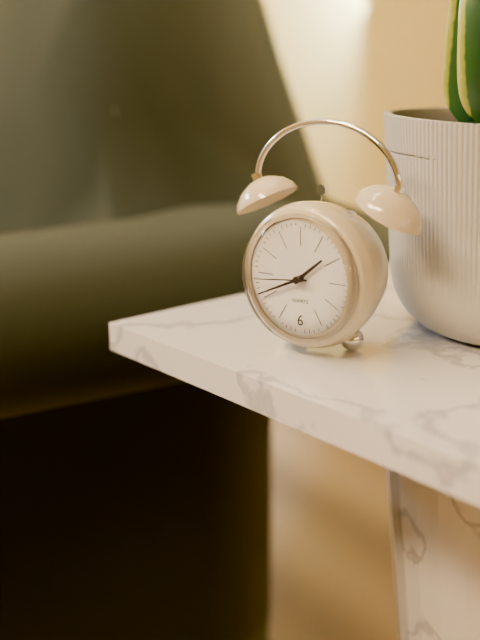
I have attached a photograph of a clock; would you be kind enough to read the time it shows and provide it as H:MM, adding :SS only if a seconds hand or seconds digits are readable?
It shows 1:41:44
